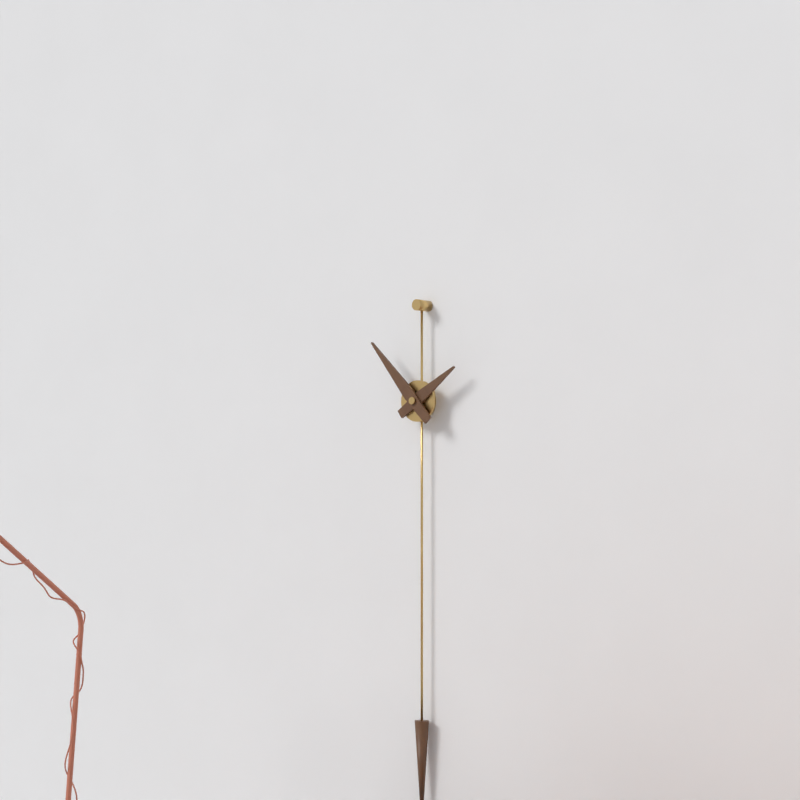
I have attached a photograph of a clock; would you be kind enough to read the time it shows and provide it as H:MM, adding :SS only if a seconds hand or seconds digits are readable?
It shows 1:53
